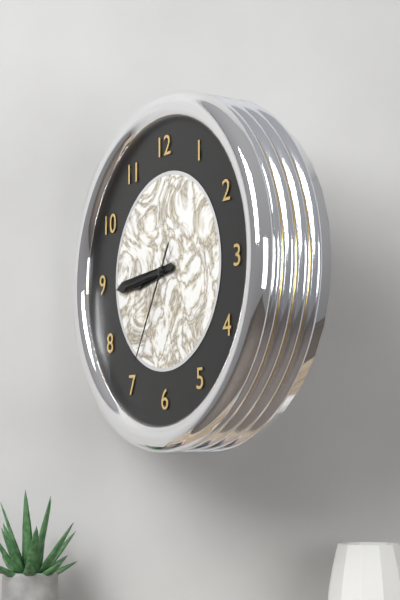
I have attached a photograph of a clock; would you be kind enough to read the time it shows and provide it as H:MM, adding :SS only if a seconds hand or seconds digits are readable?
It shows 8:44:35
